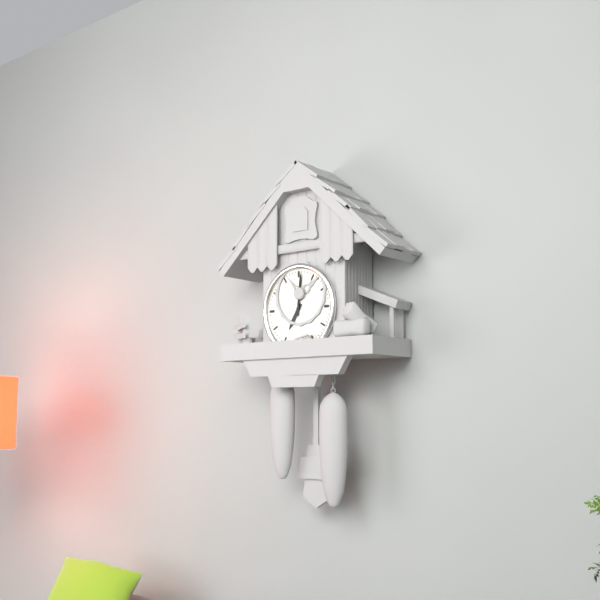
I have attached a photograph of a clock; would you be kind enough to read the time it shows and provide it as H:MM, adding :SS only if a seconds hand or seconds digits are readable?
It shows 7:01
